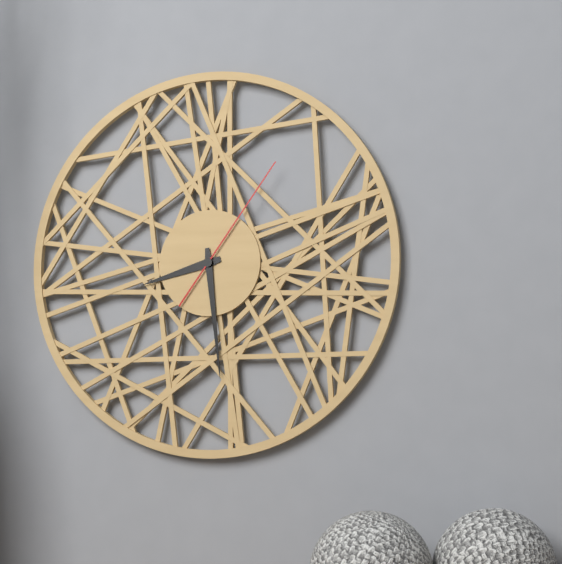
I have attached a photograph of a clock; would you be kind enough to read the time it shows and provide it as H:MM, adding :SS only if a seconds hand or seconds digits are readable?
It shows 8:29:06
